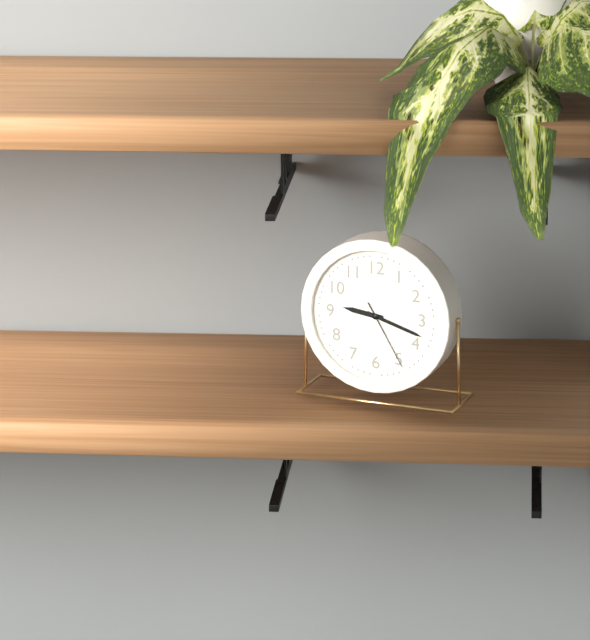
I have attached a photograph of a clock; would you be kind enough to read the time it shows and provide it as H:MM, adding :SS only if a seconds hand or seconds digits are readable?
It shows 9:18:25
